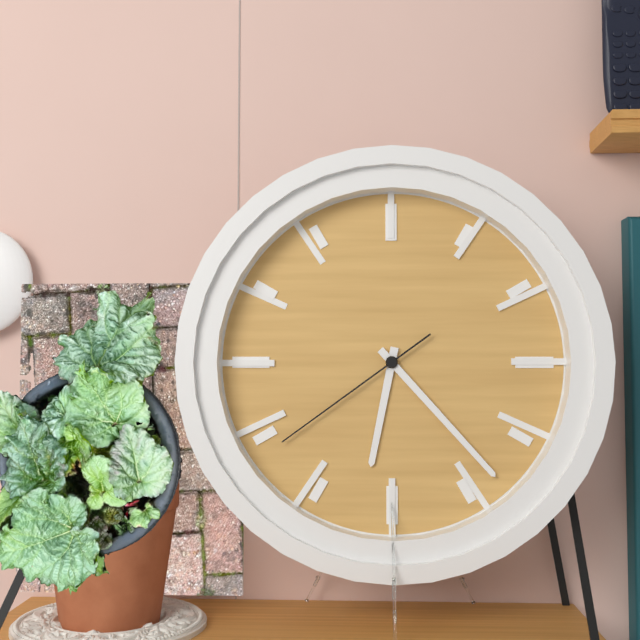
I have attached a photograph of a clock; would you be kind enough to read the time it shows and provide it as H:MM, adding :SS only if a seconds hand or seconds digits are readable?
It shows 6:23:39
